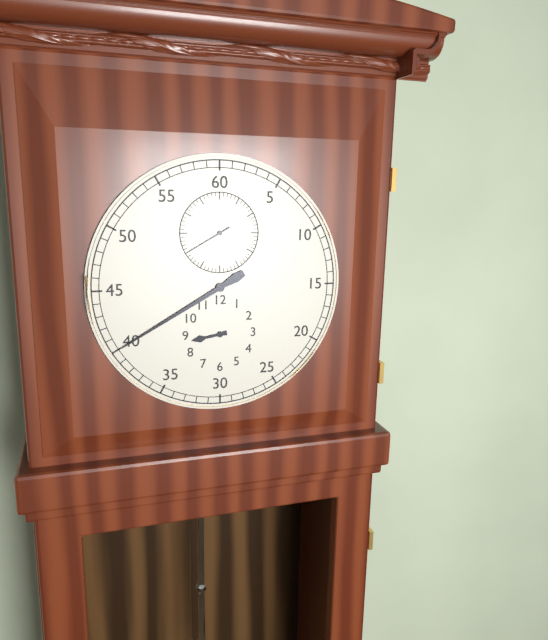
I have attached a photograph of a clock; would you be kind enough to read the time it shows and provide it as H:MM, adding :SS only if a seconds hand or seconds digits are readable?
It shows 8:40
